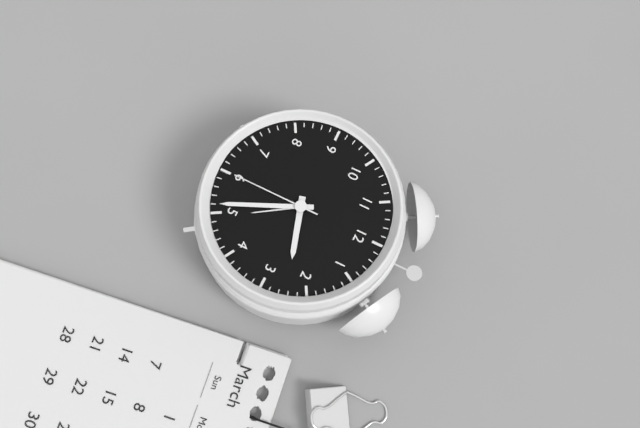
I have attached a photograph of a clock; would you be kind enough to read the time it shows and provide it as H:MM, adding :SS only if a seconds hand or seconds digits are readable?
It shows 2:26:30
